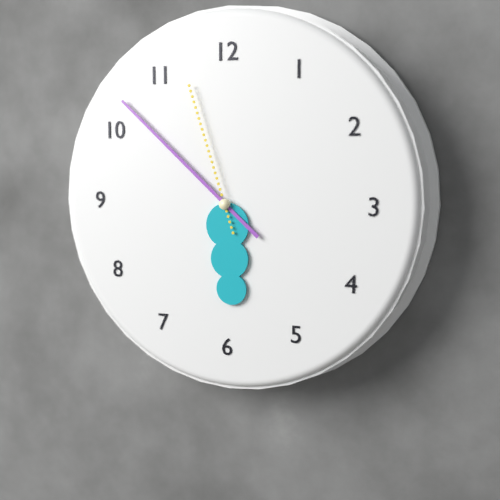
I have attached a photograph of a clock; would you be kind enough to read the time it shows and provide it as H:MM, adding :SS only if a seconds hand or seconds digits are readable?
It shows 5:52:57
